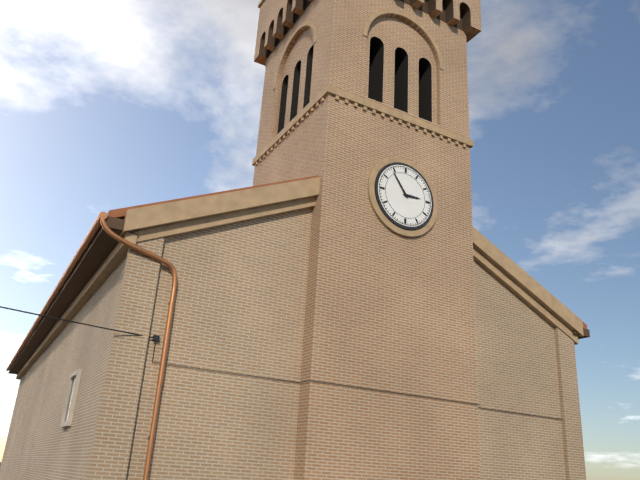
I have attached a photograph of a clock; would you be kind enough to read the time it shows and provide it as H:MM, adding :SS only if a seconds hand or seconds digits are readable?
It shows 2:54
